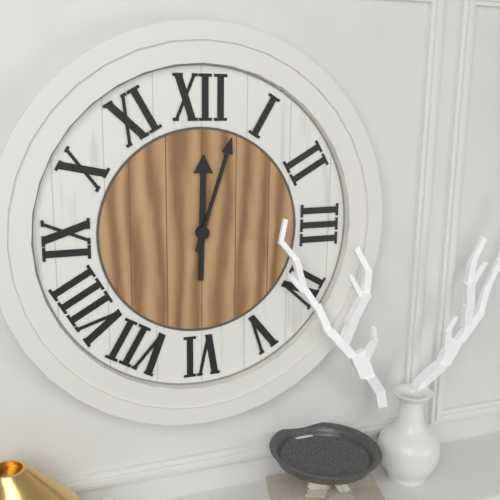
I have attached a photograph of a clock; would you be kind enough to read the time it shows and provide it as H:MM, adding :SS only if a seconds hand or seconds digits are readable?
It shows 12:03
